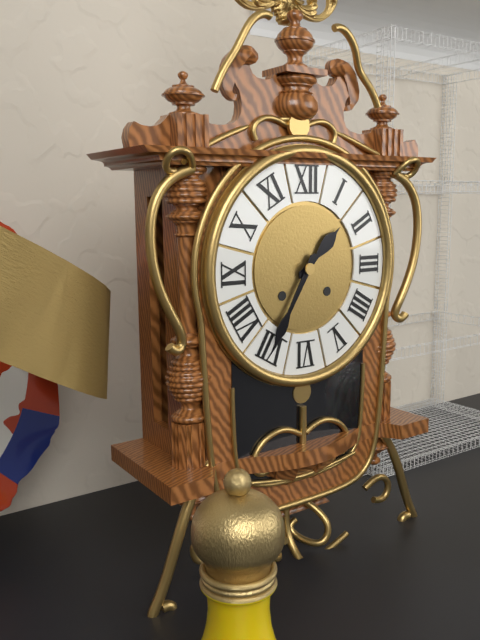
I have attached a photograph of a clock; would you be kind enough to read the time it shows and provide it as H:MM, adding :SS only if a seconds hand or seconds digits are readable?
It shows 1:35
